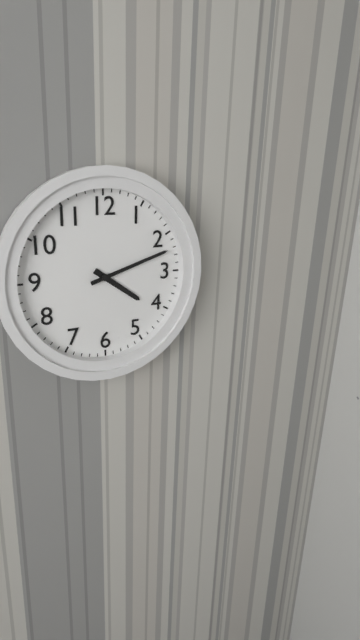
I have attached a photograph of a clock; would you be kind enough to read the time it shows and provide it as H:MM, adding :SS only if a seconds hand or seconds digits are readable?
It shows 4:12
